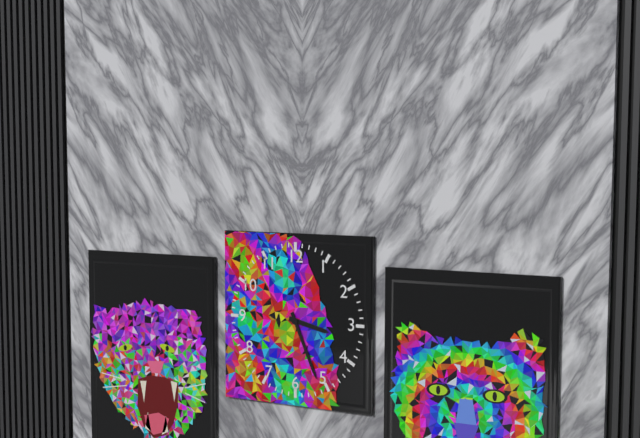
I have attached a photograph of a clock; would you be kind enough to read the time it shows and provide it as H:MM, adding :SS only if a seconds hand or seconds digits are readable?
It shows 3:26
